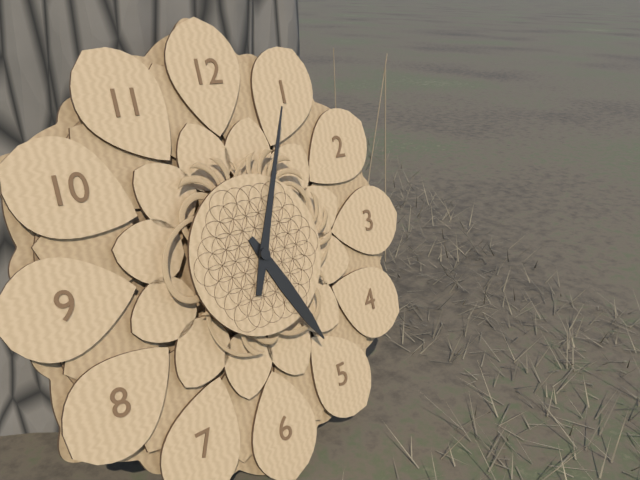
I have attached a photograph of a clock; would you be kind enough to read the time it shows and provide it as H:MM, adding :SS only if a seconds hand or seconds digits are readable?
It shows 5:04
